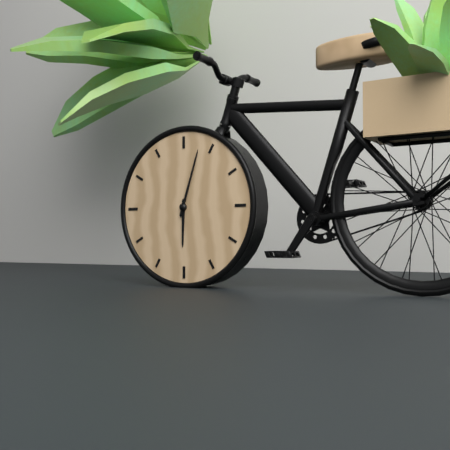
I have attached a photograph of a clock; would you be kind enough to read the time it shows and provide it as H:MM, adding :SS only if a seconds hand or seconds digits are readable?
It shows 6:03
